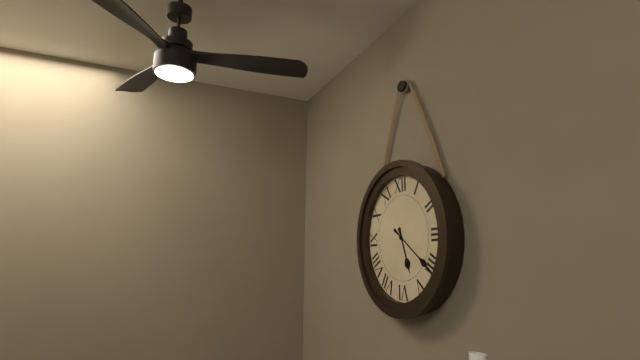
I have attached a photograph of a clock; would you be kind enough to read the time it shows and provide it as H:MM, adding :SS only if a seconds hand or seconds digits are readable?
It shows 5:21
